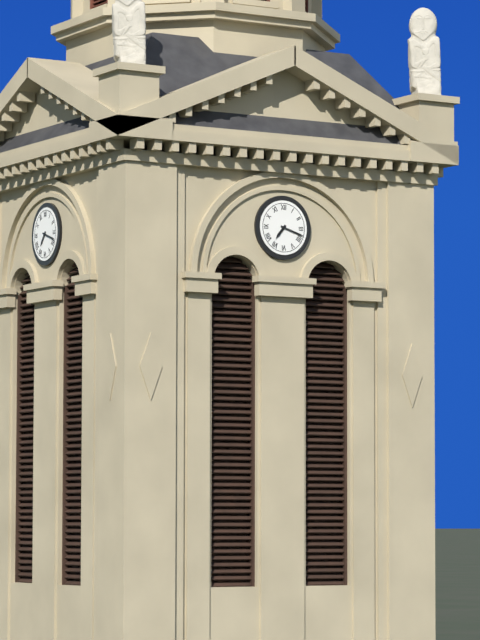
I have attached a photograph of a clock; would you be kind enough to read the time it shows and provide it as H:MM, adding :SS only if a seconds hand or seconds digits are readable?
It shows 7:18
